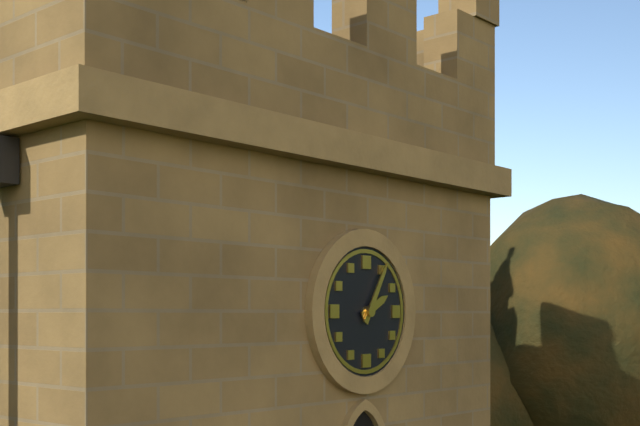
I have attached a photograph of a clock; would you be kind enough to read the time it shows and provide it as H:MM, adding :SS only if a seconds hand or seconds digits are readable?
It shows 2:05
